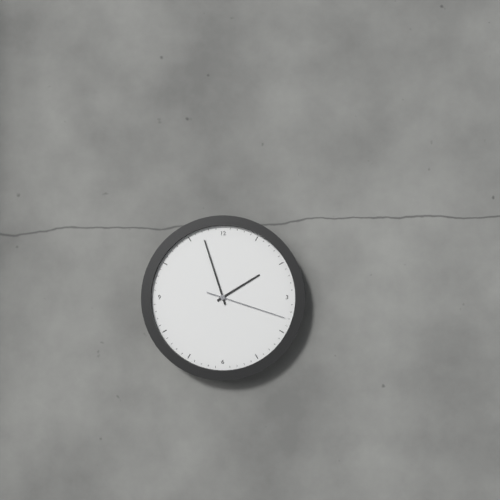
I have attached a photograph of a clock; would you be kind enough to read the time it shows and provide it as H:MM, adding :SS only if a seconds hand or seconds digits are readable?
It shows 1:57:18
